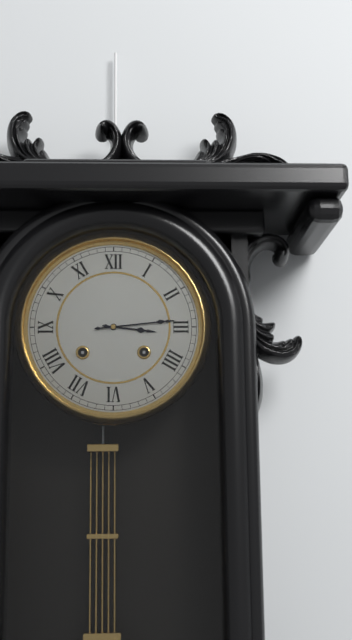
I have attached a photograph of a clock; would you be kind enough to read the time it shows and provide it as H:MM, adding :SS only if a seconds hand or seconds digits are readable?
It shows 3:14
